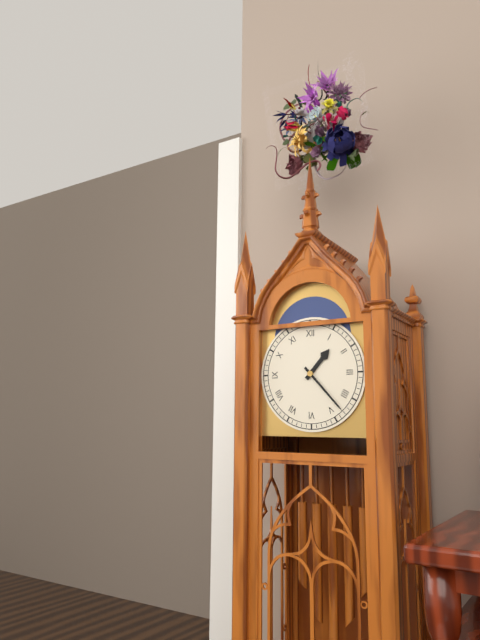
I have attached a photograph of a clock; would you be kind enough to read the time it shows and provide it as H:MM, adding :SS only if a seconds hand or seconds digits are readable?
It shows 1:23
